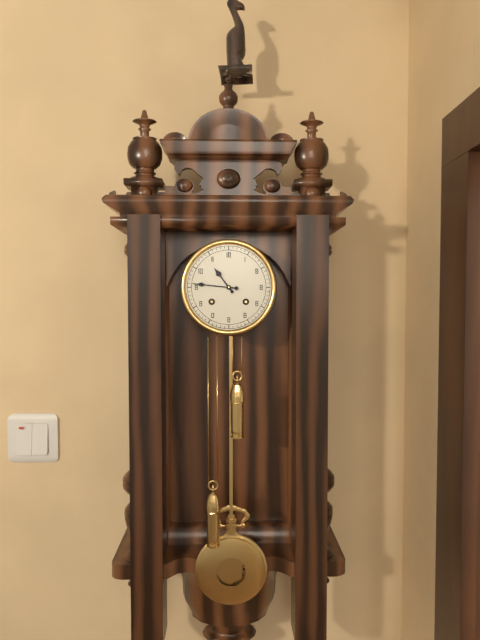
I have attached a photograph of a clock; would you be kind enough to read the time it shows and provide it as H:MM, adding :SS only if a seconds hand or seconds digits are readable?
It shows 10:46
